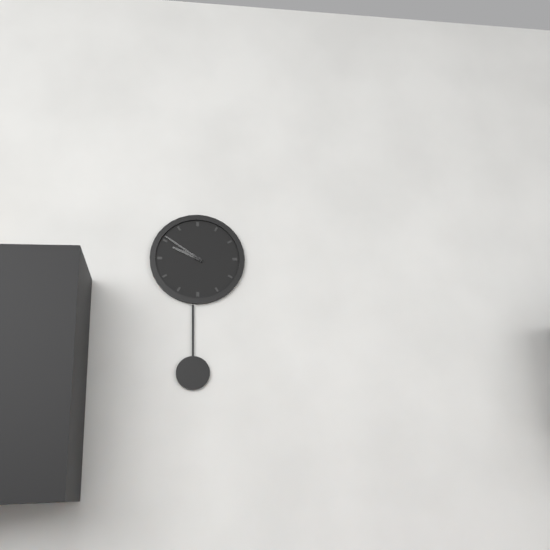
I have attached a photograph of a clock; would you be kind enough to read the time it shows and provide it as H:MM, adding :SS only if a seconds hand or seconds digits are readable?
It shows 9:51
